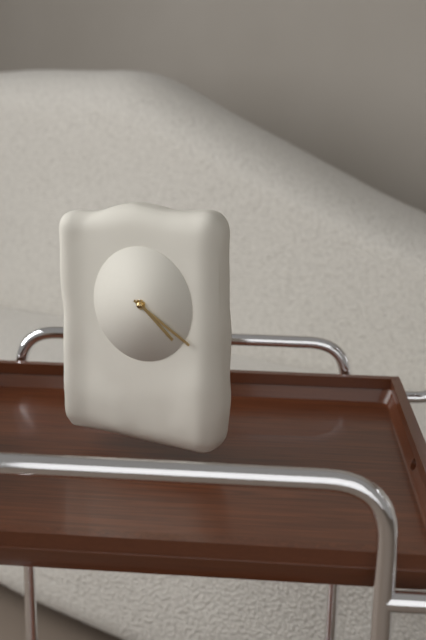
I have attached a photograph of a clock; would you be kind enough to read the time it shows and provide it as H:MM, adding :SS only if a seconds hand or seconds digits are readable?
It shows 4:20
